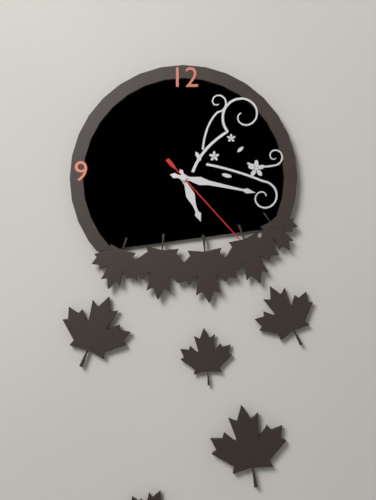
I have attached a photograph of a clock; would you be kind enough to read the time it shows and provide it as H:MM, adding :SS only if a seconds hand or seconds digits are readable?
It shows 5:17:23
